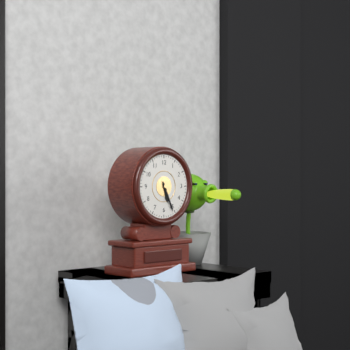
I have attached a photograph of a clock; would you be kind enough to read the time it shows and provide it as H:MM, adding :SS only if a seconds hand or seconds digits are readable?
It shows 5:26
